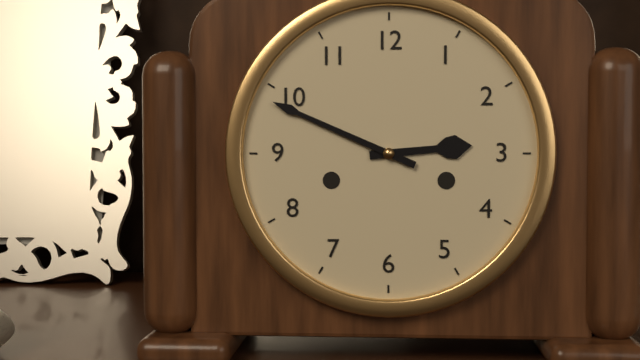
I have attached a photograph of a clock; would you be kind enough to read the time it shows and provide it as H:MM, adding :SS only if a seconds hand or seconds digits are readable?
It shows 2:49
